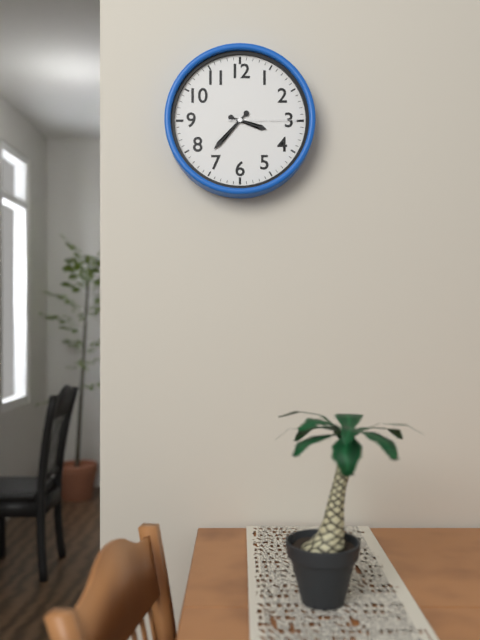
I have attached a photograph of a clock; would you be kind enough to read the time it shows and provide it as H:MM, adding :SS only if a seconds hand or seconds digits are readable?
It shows 3:37:15
